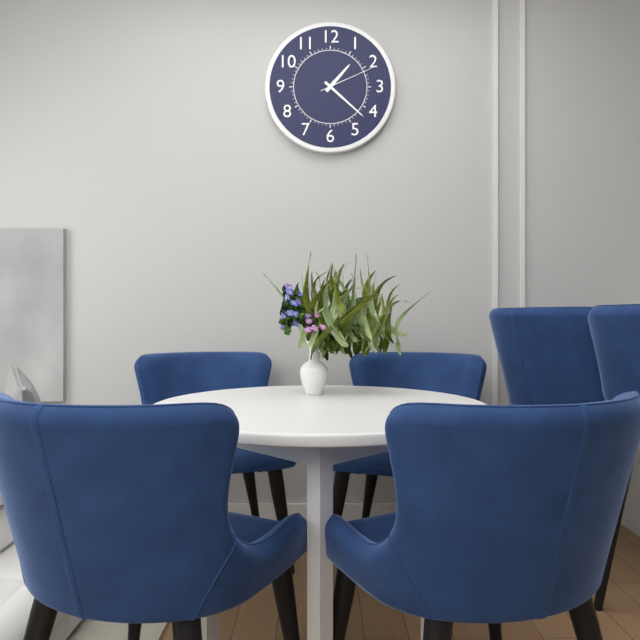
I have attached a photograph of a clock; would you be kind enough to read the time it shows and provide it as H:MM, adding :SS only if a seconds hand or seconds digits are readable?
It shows 1:22:11
